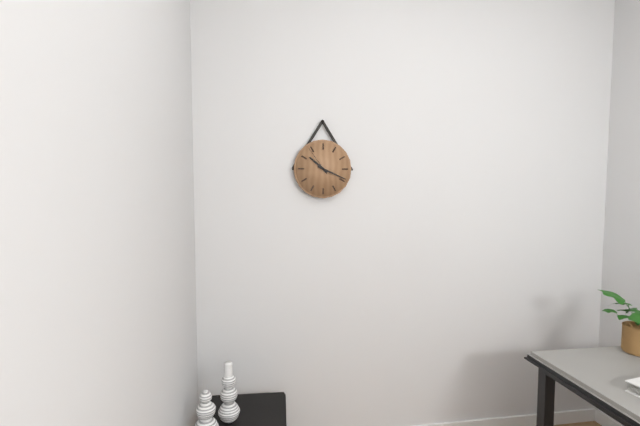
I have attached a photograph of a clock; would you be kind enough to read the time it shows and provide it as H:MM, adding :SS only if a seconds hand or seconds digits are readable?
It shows 10:19
